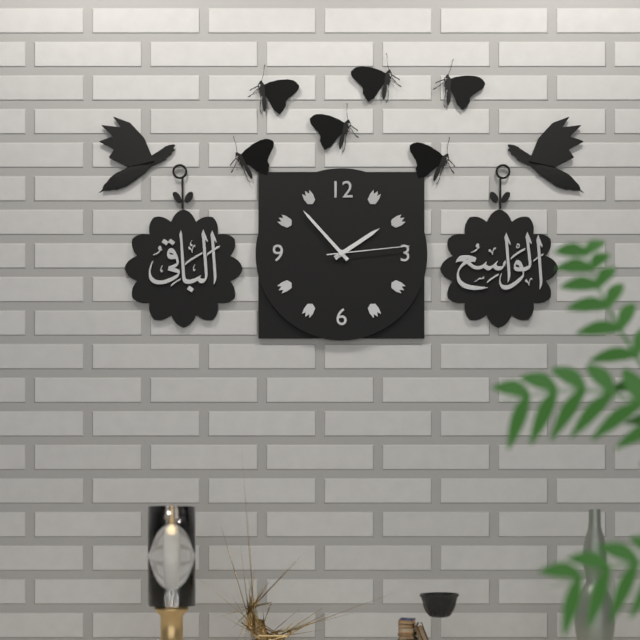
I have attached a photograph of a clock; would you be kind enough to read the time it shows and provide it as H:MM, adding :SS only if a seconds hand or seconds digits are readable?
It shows 1:53:14
